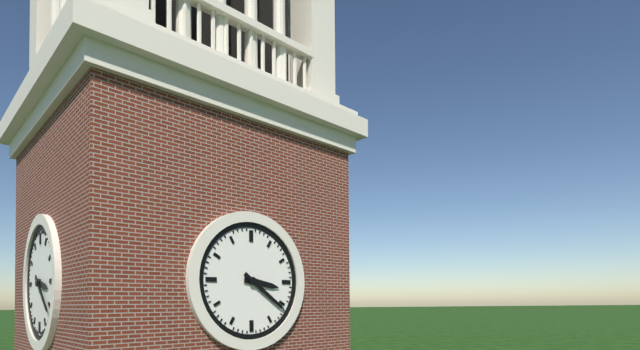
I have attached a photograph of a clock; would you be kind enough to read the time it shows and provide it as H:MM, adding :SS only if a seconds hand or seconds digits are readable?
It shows 3:21
